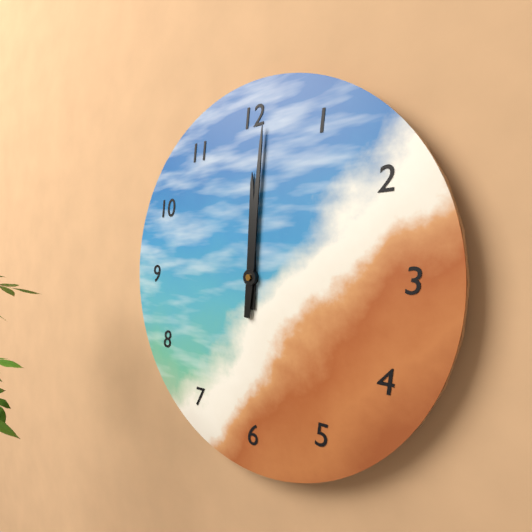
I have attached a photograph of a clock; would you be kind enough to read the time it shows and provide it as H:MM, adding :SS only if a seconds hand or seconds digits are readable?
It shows 12:01
